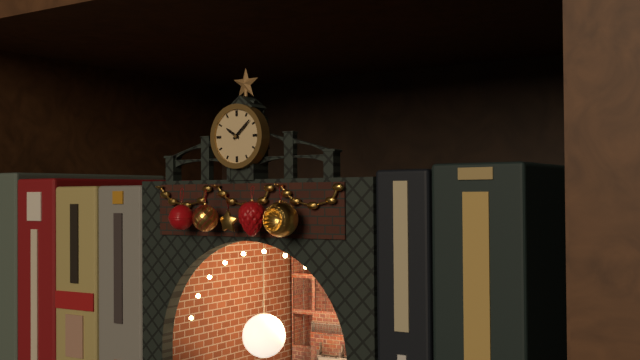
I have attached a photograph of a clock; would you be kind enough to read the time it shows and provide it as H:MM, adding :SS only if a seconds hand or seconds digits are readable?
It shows 10:08
